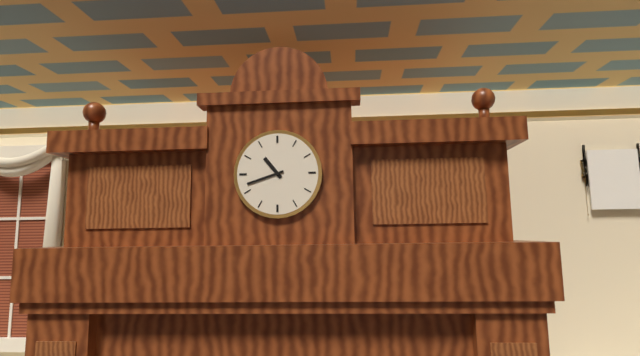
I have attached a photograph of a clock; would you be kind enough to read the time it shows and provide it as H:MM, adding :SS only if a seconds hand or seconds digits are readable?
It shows 10:42
